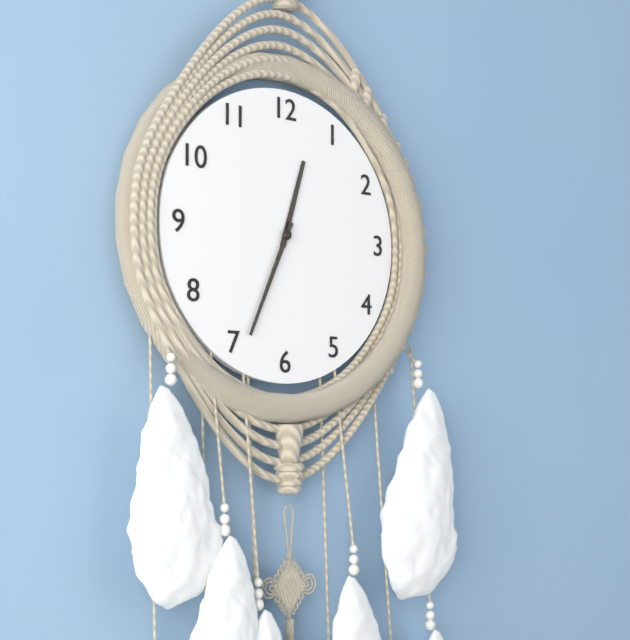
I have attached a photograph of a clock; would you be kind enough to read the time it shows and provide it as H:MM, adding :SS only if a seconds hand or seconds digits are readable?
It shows 12:34
